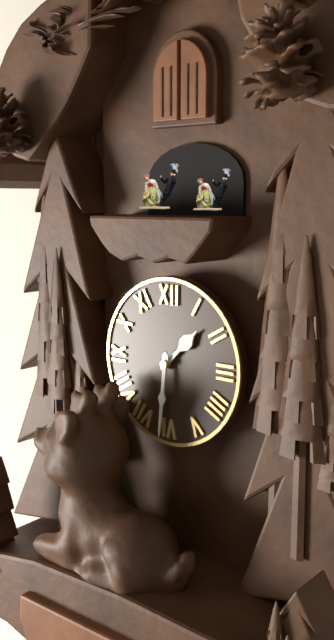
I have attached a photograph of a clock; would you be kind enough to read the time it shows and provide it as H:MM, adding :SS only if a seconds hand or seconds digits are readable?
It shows 1:31
